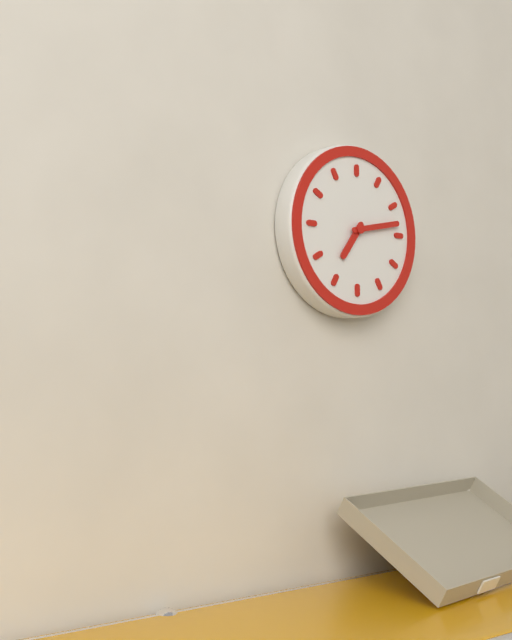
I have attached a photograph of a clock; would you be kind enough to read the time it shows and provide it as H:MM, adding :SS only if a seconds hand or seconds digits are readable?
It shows 7:13
